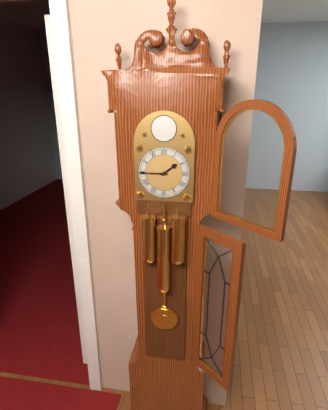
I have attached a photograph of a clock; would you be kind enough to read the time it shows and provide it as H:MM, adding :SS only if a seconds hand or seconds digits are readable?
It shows 1:45
